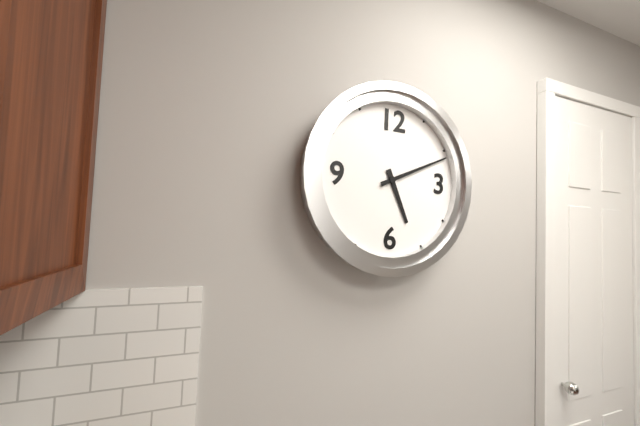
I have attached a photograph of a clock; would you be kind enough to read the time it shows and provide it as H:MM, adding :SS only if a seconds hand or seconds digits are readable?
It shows 5:11
